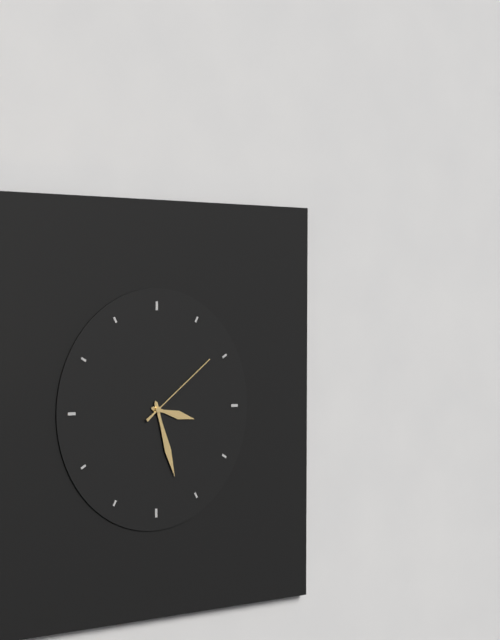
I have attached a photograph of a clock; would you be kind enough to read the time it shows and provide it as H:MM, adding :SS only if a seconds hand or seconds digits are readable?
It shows 3:27:09
